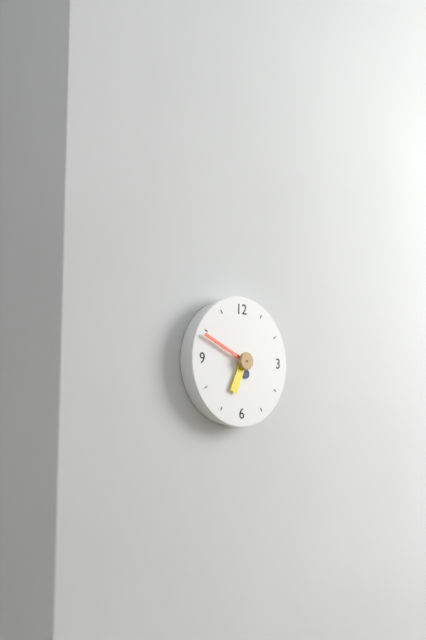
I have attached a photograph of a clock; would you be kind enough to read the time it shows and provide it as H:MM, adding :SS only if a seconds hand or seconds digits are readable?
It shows 6:49
